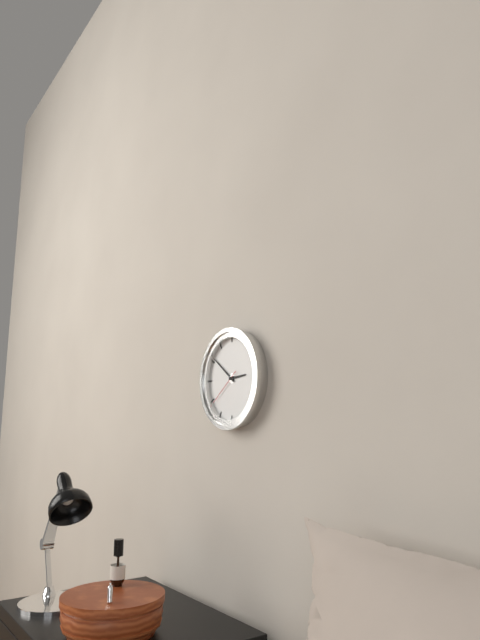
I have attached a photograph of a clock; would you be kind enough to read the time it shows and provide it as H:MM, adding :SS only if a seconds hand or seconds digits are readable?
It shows 2:51
